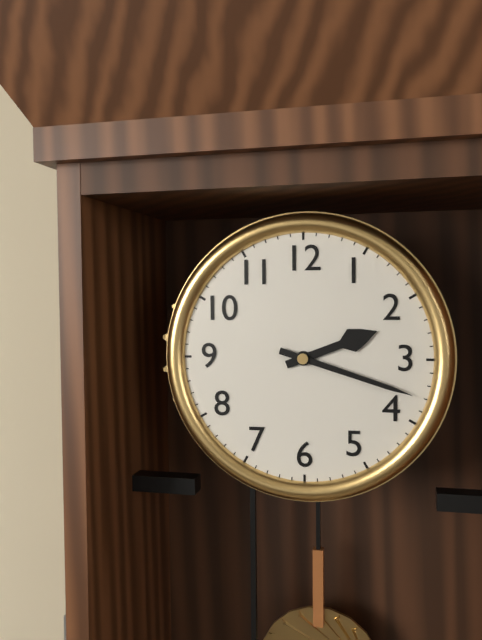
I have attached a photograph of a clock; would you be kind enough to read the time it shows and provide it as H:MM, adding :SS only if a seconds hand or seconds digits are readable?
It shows 2:18
